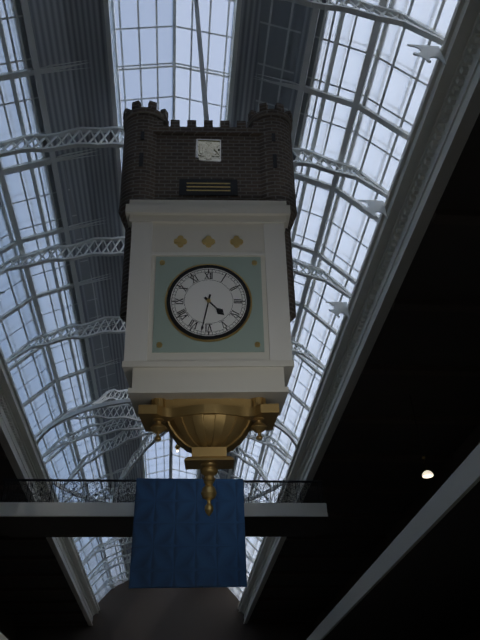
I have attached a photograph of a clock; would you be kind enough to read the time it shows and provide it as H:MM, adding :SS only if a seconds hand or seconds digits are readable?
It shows 4:32
